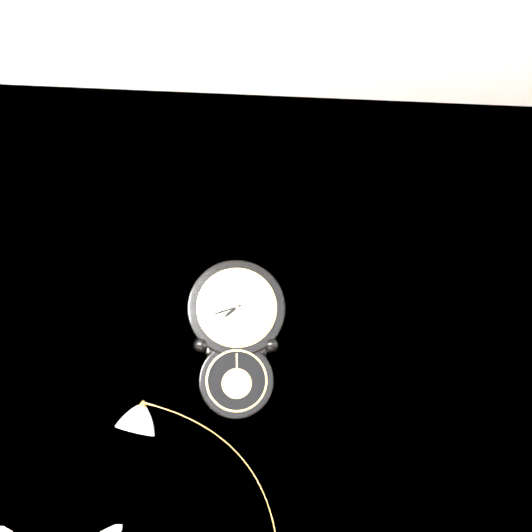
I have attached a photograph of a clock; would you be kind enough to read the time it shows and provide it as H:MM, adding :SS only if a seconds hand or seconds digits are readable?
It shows 7:42
